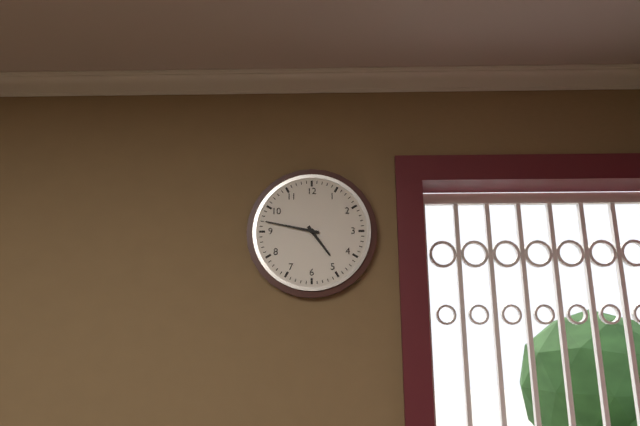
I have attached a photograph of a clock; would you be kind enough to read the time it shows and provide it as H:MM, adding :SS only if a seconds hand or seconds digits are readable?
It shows 4:47
